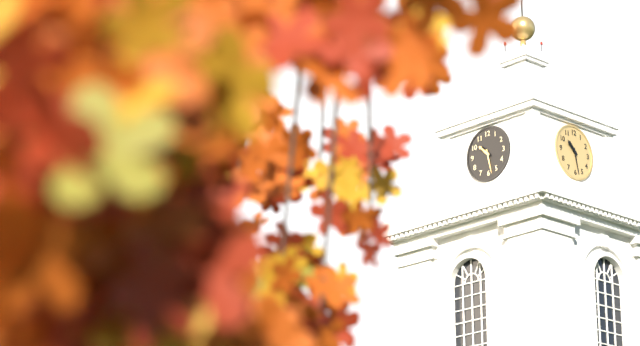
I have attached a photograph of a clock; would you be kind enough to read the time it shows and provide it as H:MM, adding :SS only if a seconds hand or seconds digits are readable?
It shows 10:28
